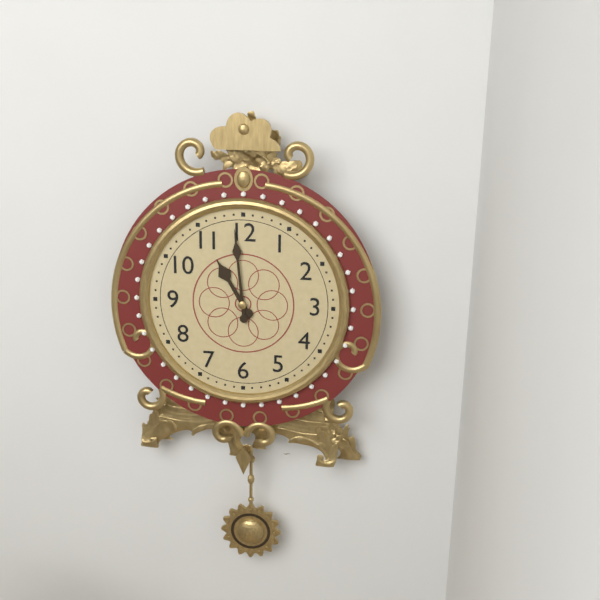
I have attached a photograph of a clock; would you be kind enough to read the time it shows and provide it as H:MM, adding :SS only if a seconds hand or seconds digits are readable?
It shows 10:59
